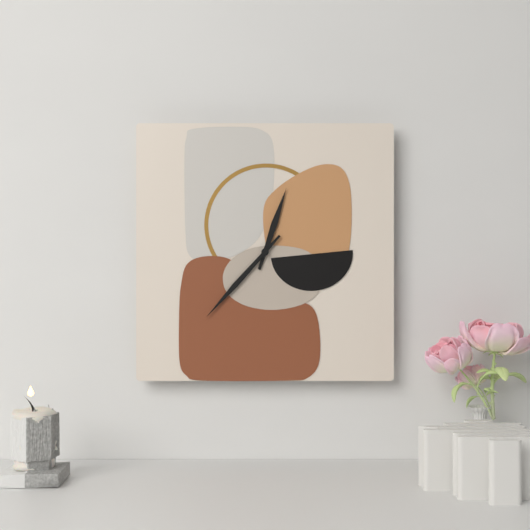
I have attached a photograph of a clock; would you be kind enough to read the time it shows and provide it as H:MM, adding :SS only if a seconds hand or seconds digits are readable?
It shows 12:37
